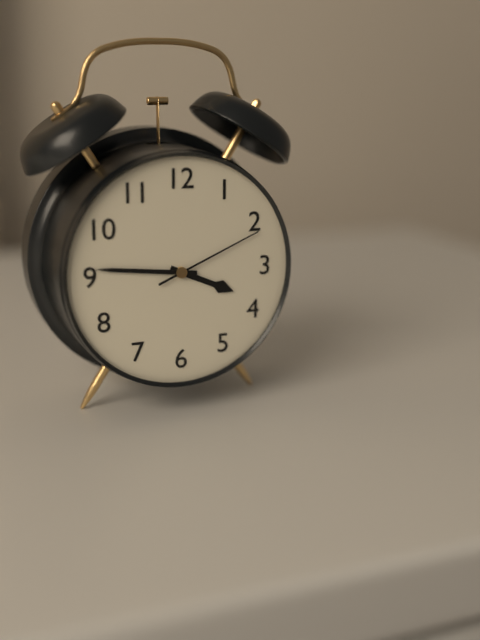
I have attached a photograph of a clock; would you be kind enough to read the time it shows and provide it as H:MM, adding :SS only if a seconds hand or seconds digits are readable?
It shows 3:46:11
